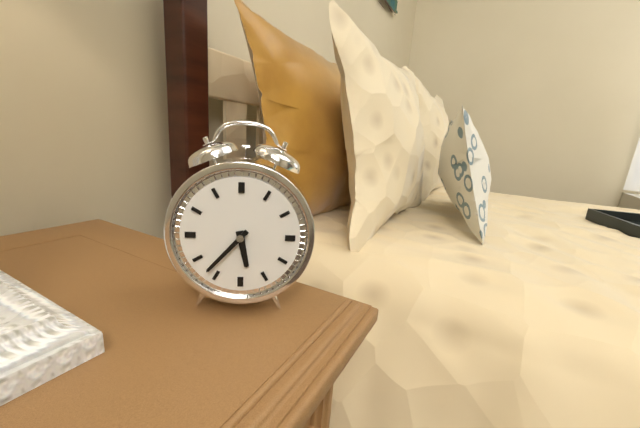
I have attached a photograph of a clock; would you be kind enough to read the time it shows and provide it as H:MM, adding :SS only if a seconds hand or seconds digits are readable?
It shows 5:37
